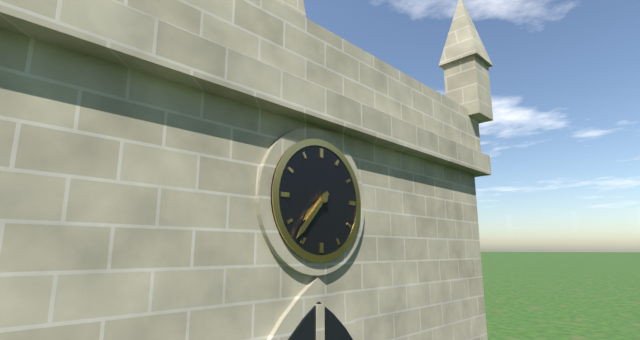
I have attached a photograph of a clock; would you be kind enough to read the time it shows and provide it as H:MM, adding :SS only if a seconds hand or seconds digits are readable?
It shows 7:37
